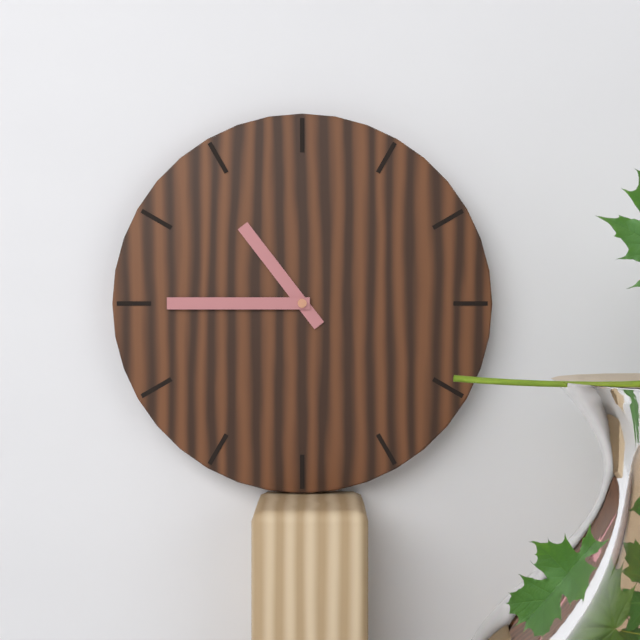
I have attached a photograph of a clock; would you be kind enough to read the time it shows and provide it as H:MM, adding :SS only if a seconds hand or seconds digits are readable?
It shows 10:45
